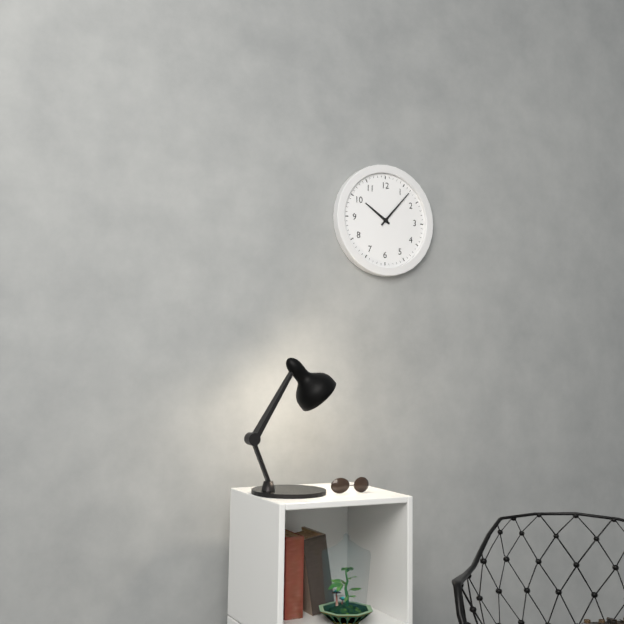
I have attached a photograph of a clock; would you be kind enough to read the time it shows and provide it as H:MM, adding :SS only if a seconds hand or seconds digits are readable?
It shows 10:07
